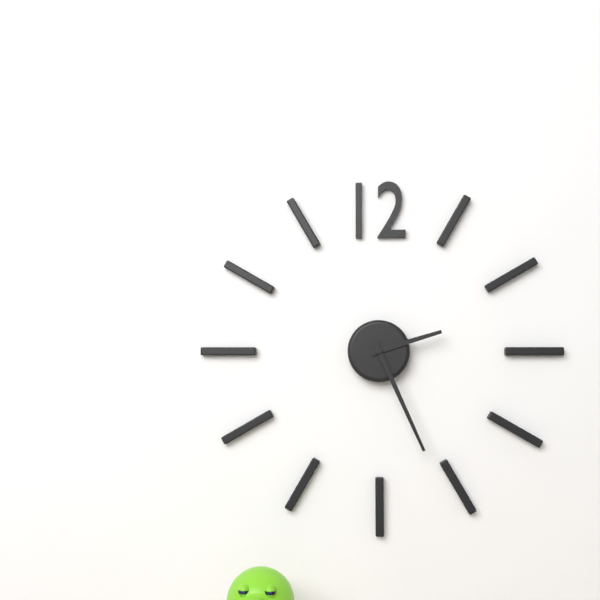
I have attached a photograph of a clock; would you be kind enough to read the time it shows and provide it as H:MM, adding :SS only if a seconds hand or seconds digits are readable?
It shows 2:26
